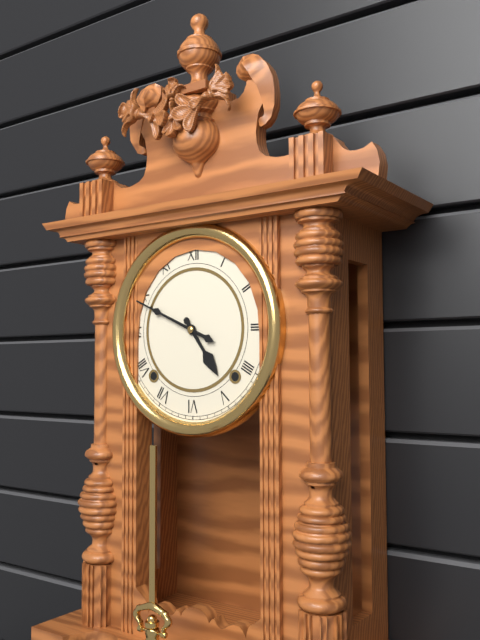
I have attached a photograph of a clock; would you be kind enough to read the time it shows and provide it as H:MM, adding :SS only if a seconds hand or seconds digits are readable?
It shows 4:49
